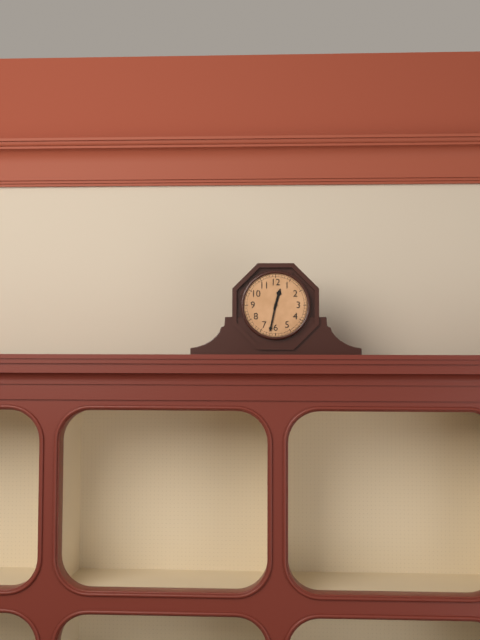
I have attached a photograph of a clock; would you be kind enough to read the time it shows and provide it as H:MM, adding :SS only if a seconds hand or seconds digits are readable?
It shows 12:32
